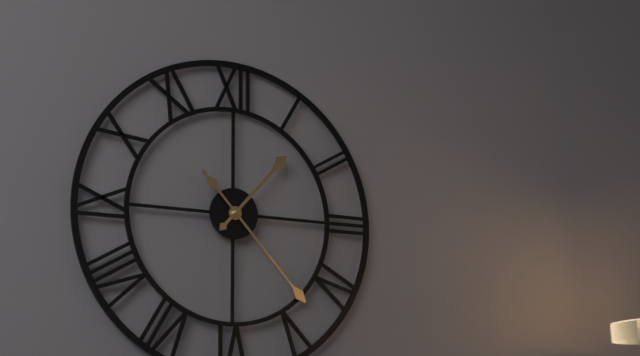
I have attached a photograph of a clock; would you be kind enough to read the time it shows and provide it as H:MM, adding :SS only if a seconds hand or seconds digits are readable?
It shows 1:23
